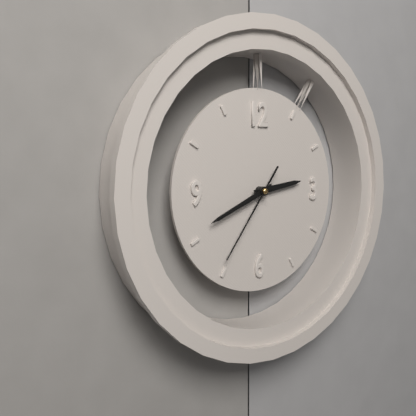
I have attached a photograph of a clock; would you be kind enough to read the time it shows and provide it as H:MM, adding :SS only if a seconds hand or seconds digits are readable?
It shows 2:41:36
